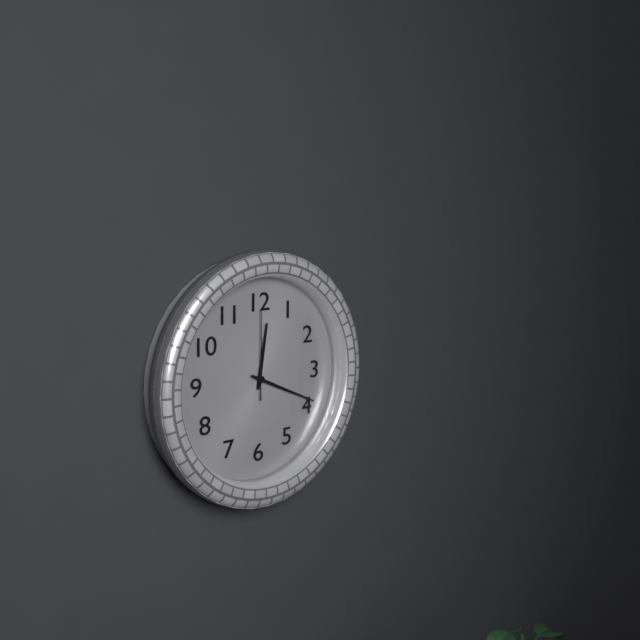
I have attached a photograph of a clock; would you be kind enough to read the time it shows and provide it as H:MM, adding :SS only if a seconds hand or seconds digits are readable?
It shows 12:19:00
